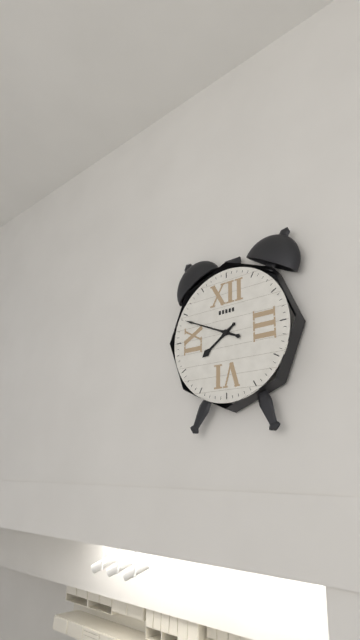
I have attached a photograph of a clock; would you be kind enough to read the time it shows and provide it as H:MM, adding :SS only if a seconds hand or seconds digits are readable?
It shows 7:49
